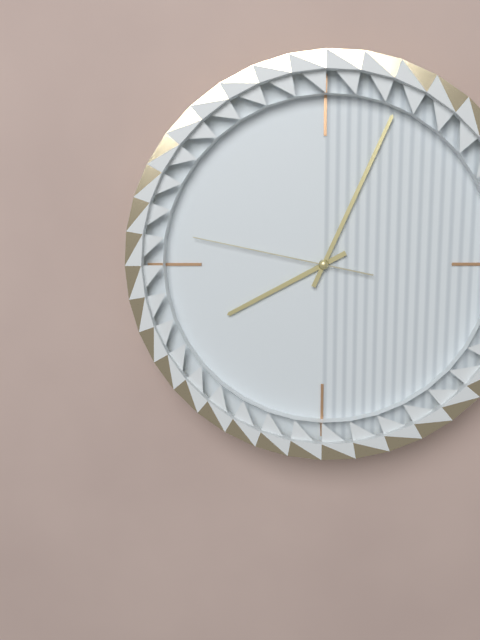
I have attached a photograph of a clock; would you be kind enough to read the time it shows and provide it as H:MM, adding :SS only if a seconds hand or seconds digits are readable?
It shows 8:04:47
